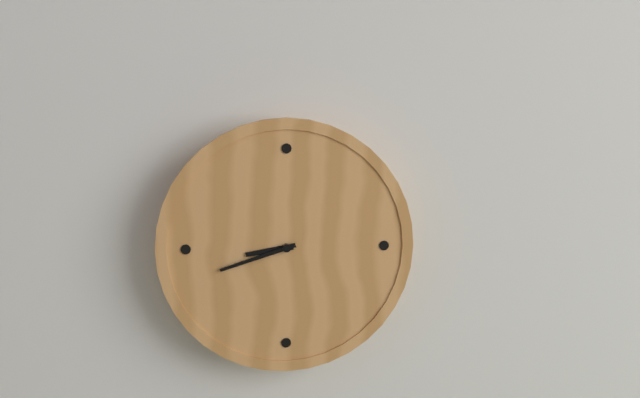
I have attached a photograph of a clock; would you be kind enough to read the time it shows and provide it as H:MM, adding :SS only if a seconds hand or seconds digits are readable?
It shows 8:42
